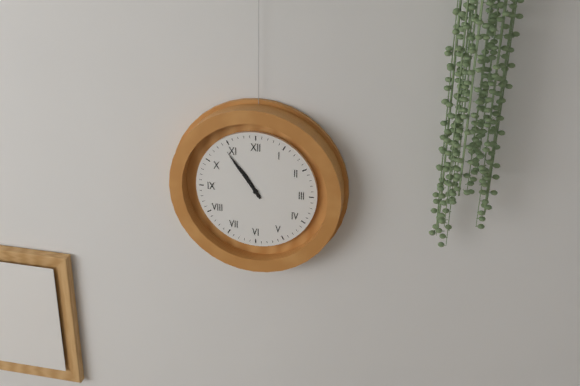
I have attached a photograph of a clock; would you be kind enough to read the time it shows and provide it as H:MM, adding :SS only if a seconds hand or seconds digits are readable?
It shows 10:54
